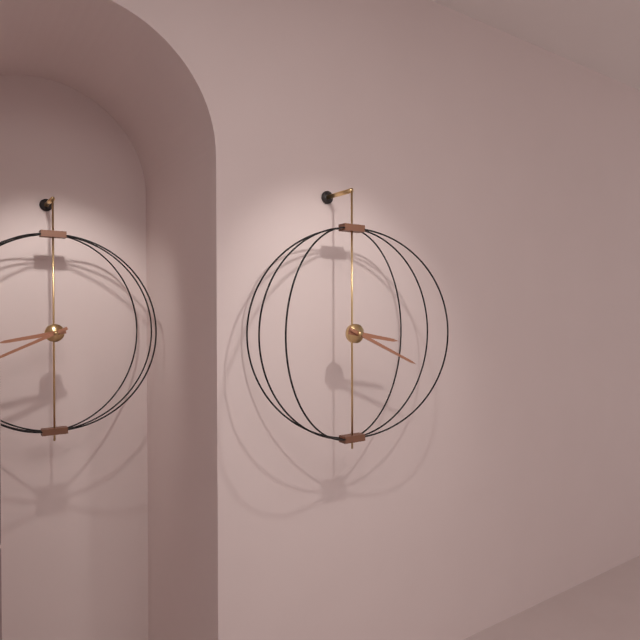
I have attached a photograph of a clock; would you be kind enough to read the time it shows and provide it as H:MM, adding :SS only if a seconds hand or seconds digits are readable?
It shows 3:19
